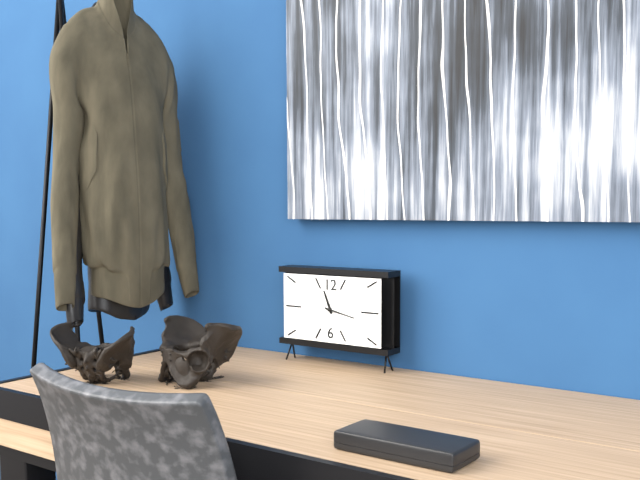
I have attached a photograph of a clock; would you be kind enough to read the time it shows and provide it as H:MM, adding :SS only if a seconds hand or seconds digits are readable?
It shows 11:17
